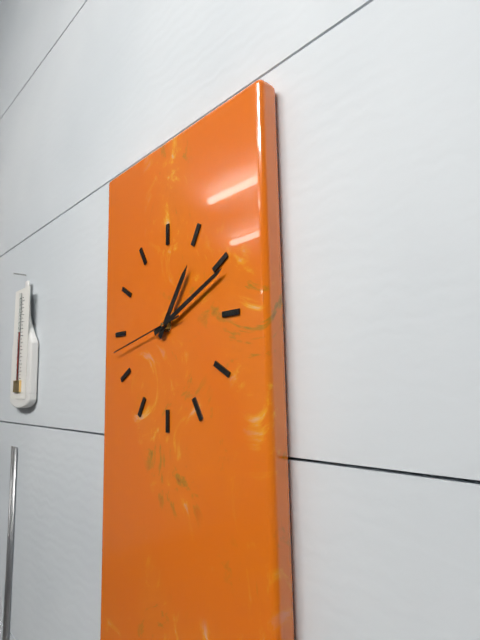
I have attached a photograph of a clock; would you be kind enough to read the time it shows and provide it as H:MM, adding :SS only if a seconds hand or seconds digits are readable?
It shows 1:11:43
